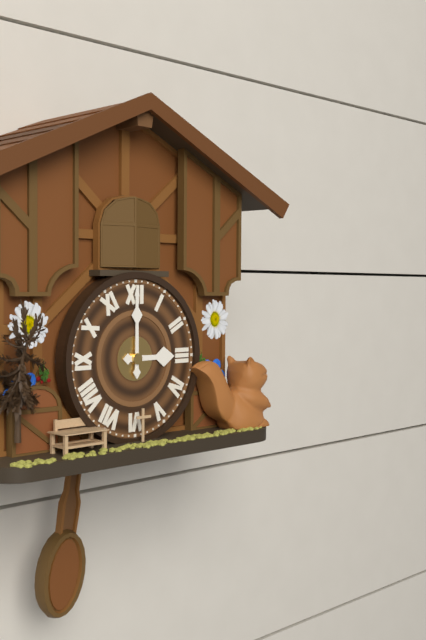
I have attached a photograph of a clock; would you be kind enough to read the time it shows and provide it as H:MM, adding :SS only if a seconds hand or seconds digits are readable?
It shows 3:00
